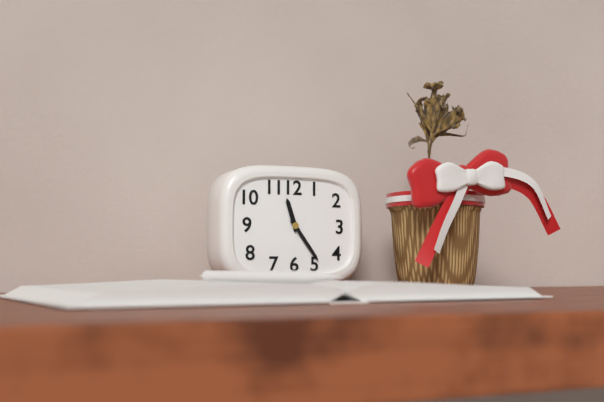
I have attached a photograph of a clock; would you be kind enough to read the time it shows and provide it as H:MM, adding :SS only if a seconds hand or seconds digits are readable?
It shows 11:24
